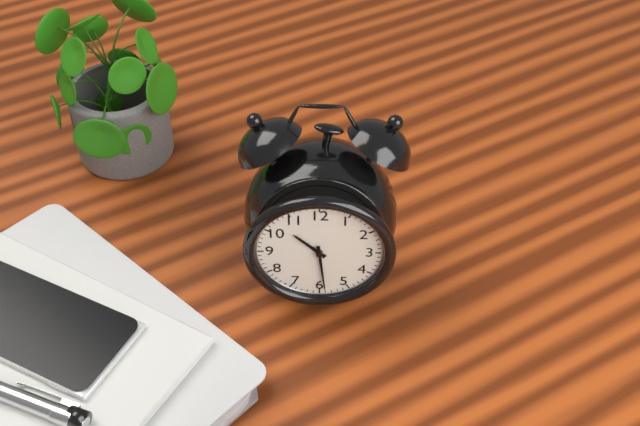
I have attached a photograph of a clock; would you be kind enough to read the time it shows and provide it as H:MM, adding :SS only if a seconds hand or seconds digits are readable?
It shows 10:29
